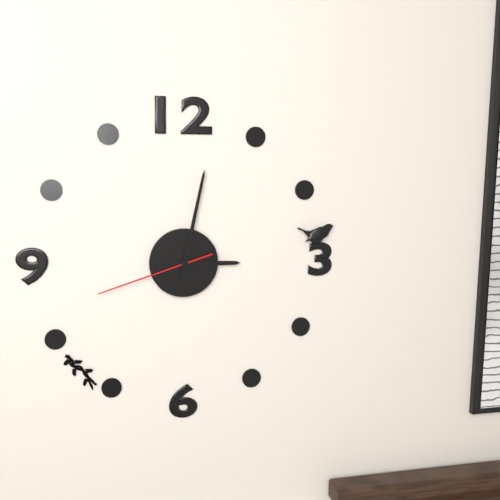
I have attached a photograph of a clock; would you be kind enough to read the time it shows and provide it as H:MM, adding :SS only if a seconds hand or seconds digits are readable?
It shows 3:02:42
